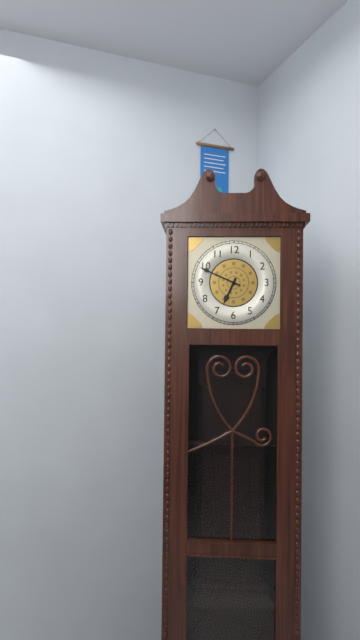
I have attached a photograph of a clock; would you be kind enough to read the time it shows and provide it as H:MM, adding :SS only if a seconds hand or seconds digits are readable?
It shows 6:49
